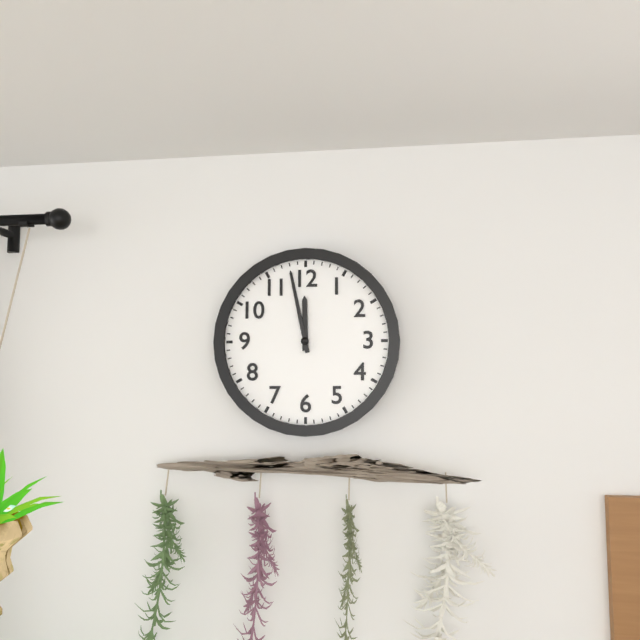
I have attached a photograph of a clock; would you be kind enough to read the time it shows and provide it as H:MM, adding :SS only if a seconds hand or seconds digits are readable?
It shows 11:58
